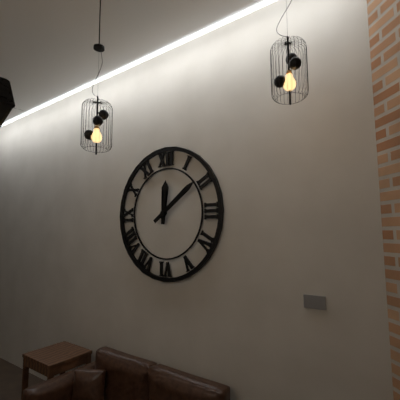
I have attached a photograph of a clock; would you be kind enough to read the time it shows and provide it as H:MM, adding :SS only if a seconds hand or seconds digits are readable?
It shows 12:09
